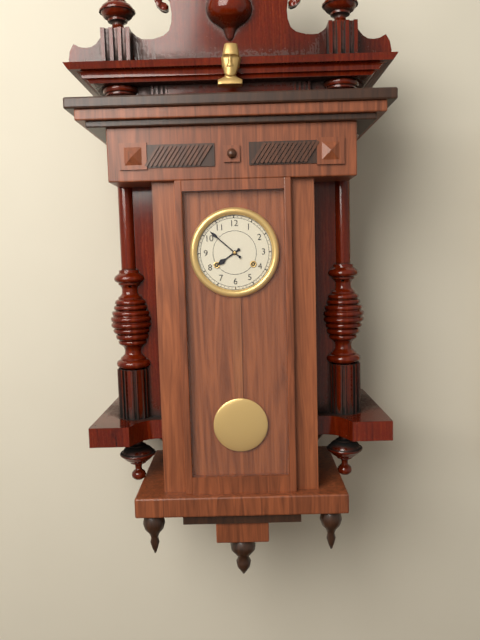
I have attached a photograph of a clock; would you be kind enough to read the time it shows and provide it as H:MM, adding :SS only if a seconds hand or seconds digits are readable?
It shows 7:52
